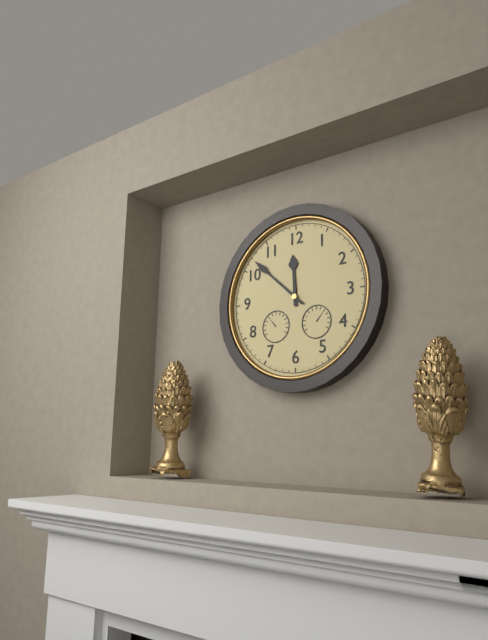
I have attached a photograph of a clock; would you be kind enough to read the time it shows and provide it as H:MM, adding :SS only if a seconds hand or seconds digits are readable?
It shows 11:52
